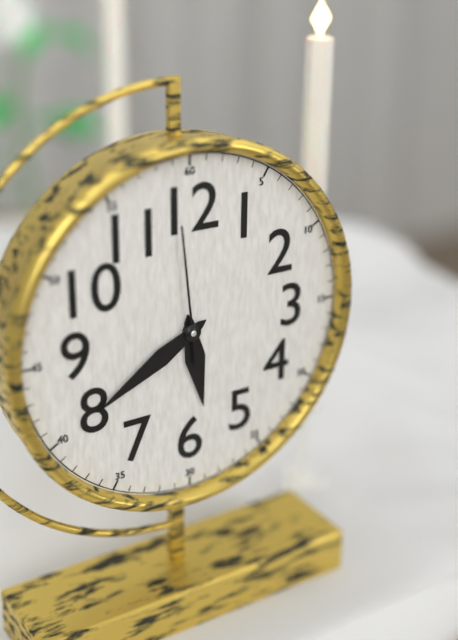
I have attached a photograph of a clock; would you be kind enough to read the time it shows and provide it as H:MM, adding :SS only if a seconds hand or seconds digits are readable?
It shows 5:40:59
